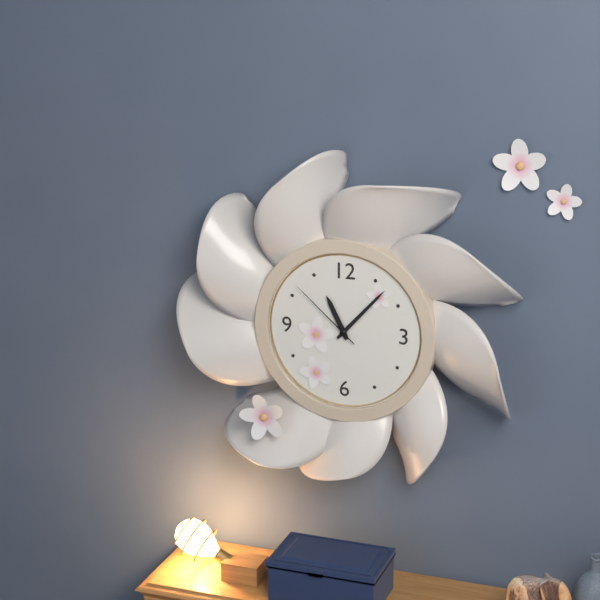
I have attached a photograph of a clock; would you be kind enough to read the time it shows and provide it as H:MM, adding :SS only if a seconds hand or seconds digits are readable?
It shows 11:07:52
